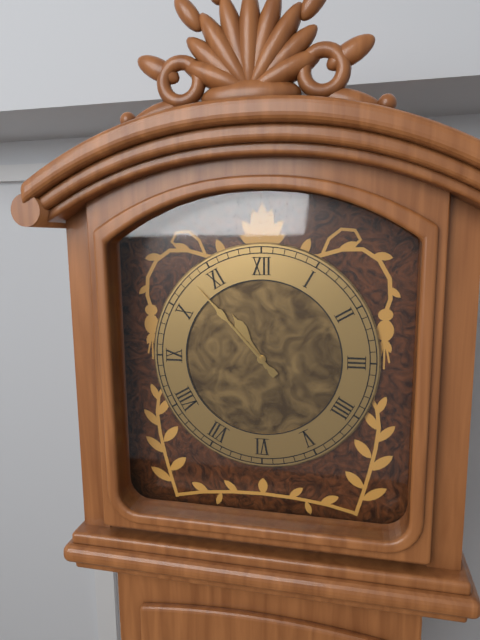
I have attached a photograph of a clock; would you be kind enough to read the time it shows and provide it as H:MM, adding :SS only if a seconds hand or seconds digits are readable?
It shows 10:53
